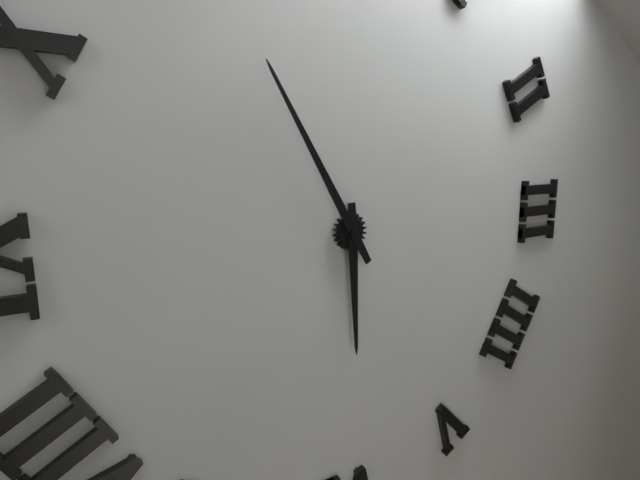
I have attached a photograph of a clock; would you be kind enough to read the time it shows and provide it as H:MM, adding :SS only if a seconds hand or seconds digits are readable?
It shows 5:55
